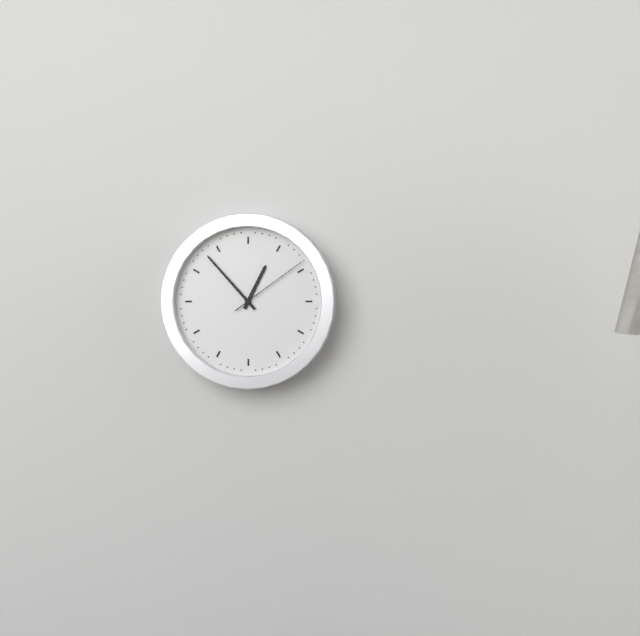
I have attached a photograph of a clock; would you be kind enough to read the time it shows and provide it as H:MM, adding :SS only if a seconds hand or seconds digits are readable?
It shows 12:53:09
